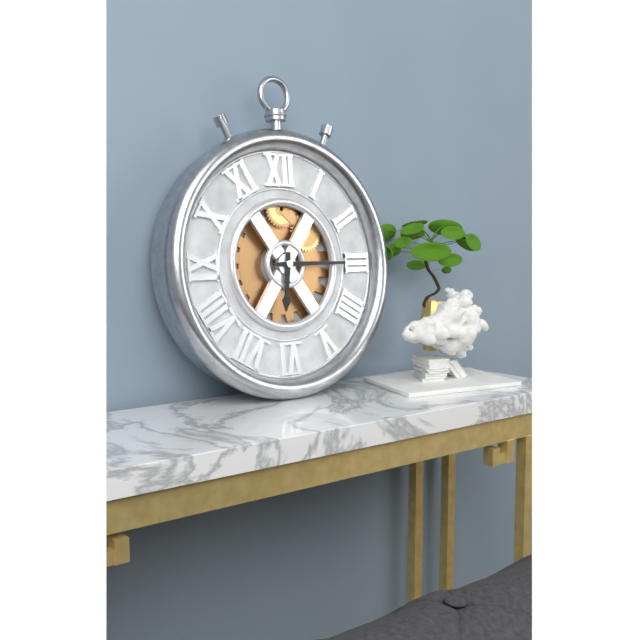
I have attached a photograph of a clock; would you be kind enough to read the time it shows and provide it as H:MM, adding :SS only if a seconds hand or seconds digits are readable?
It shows 6:15
